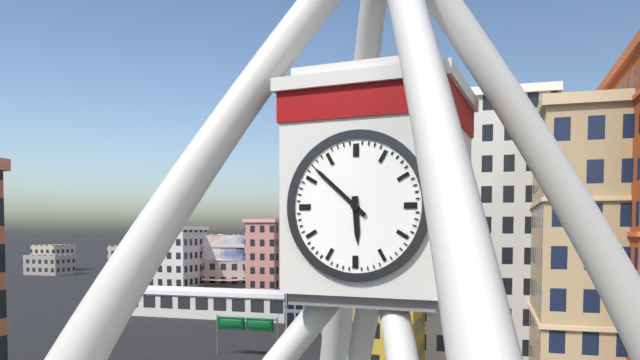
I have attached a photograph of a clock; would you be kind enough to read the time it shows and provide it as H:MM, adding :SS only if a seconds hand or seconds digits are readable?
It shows 5:52
